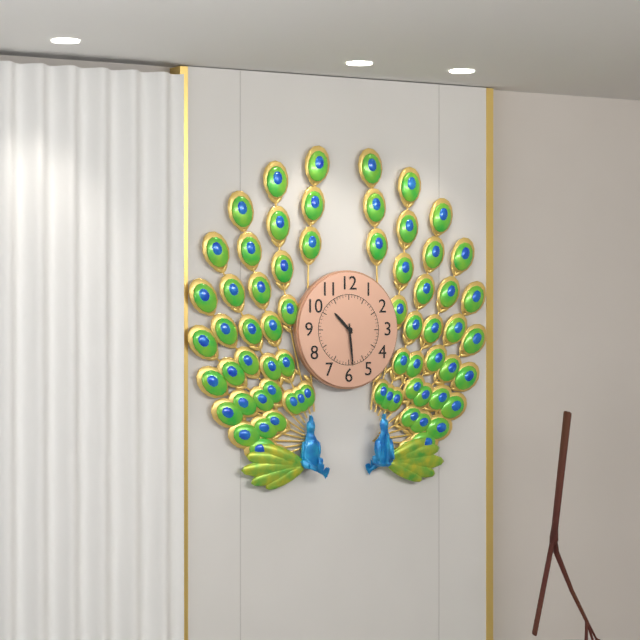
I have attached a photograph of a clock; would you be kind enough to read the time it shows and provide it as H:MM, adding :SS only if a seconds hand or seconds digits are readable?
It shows 10:29
